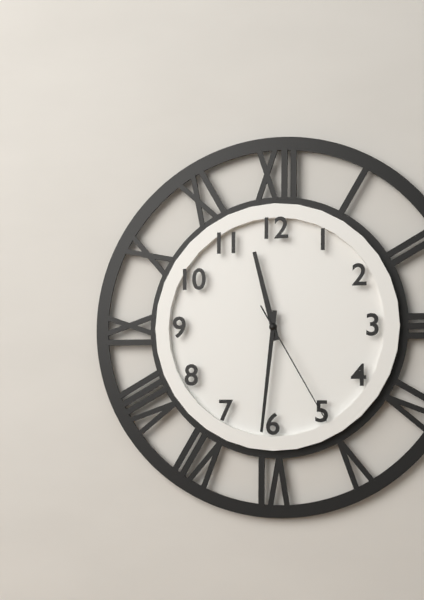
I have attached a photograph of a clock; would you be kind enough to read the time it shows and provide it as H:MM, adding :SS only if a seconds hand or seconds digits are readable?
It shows 11:31:25
